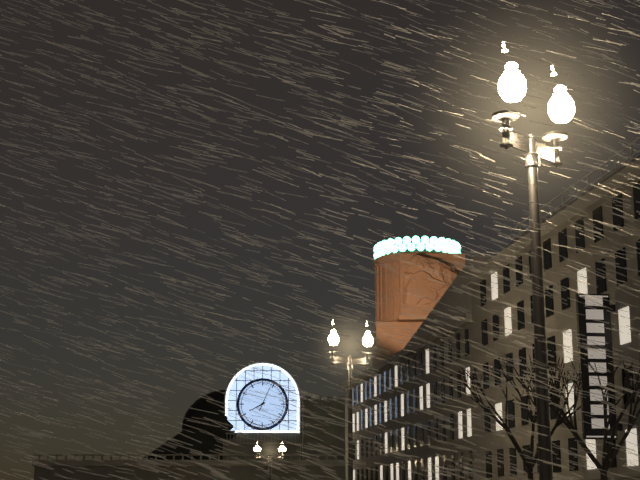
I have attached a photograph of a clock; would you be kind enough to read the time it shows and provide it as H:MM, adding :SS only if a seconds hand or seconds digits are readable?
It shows 8:04
